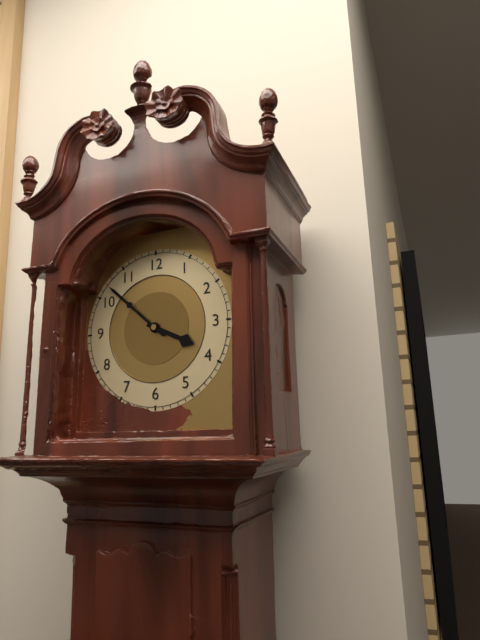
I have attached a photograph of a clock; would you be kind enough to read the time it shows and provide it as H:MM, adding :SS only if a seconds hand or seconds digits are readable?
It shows 3:52
